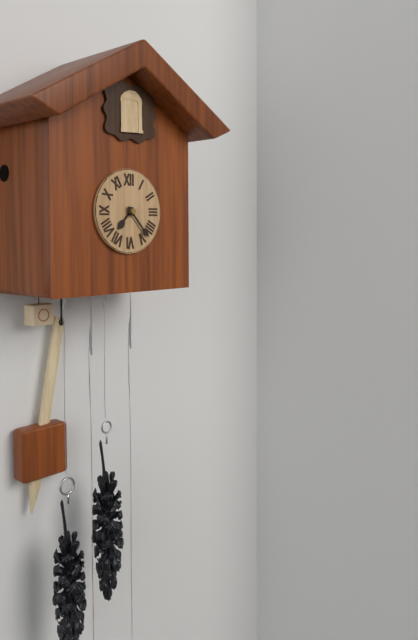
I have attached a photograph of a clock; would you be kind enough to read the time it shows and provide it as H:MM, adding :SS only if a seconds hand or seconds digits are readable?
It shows 7:23
